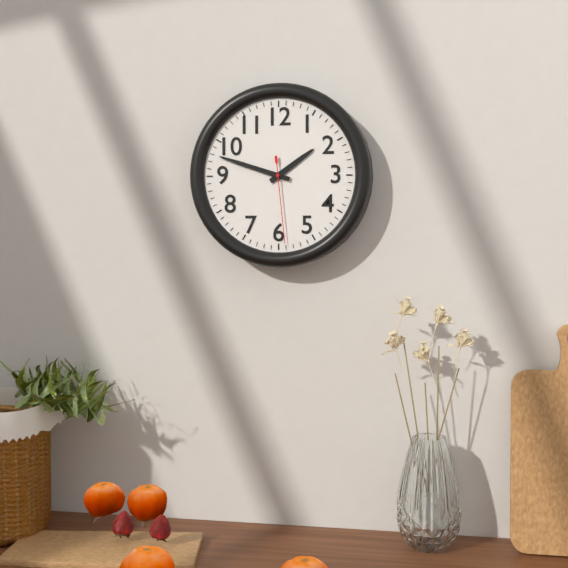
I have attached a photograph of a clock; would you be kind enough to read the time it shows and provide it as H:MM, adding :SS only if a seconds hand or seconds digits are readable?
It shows 1:48:29
